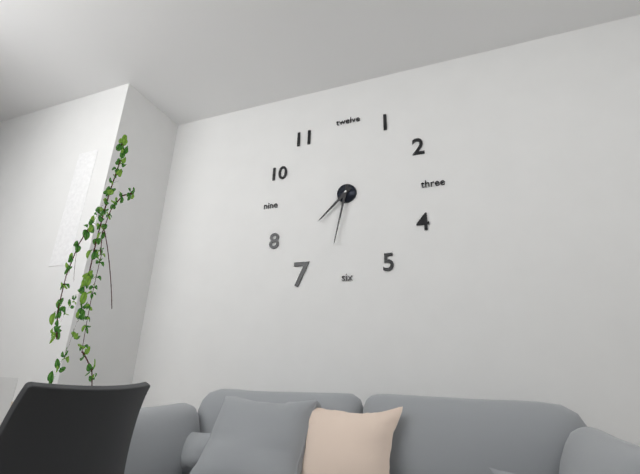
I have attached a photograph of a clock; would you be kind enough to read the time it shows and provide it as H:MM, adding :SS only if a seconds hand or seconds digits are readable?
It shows 7:32
